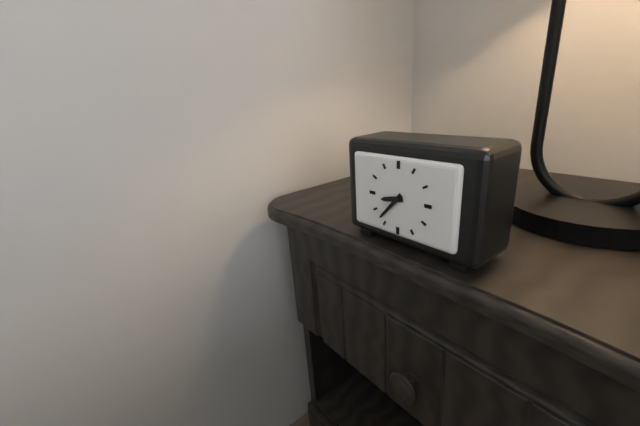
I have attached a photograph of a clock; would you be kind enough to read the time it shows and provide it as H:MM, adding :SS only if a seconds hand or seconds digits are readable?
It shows 8:37
